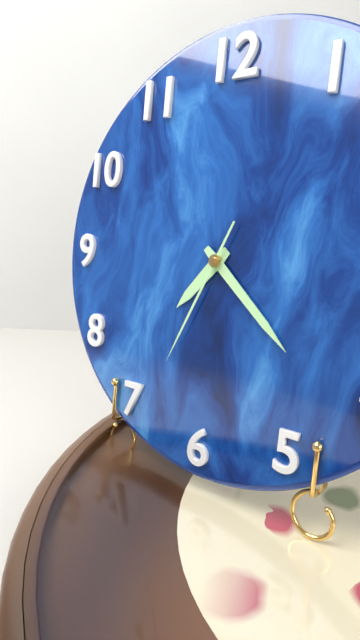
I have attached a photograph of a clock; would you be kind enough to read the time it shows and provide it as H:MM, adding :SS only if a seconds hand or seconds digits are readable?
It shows 7:22:34
